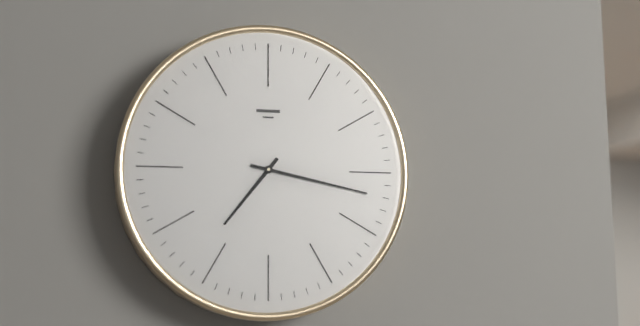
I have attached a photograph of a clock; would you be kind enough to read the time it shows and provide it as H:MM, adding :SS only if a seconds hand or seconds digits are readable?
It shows 7:17
